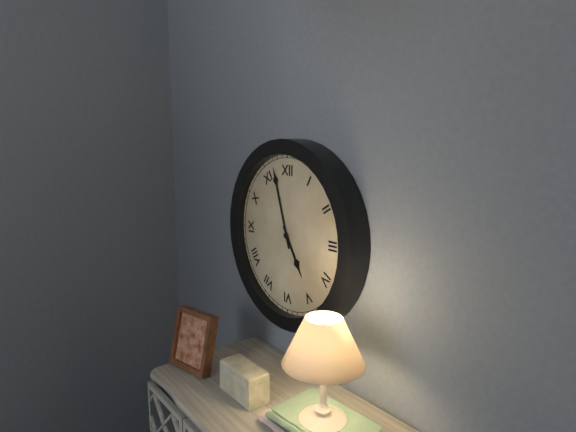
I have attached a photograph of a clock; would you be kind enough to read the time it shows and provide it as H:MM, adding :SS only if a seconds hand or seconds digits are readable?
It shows 4:57
